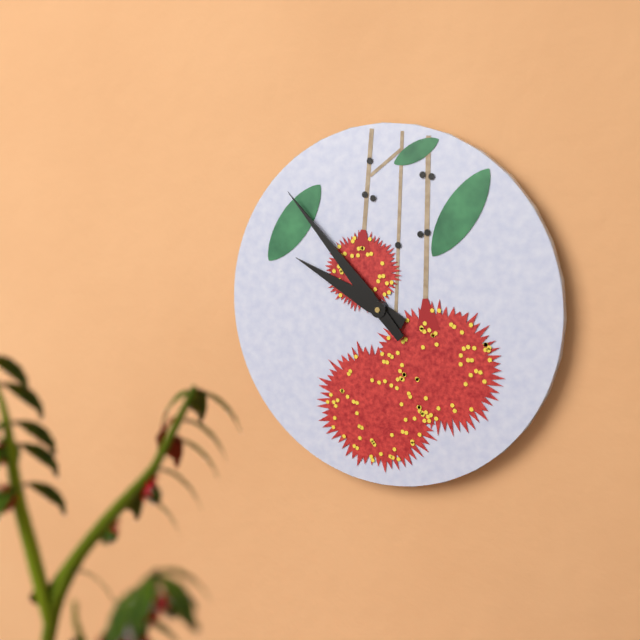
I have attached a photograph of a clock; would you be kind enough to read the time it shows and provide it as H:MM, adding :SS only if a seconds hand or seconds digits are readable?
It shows 9:53
